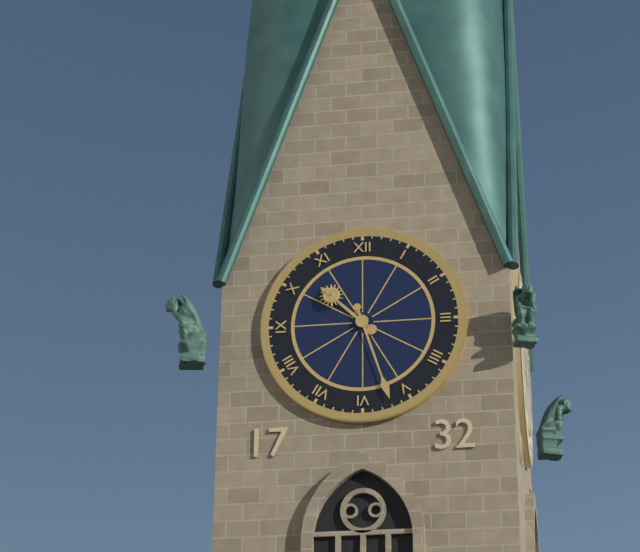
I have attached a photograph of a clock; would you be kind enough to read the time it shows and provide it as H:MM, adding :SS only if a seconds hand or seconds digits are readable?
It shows 10:27
